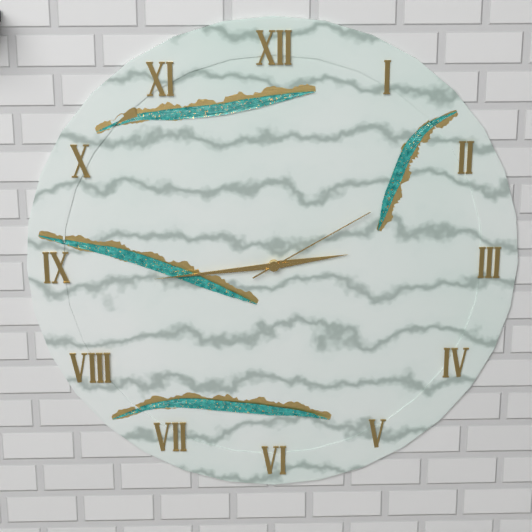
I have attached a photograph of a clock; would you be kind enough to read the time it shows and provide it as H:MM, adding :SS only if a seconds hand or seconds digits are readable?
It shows 2:44:10
